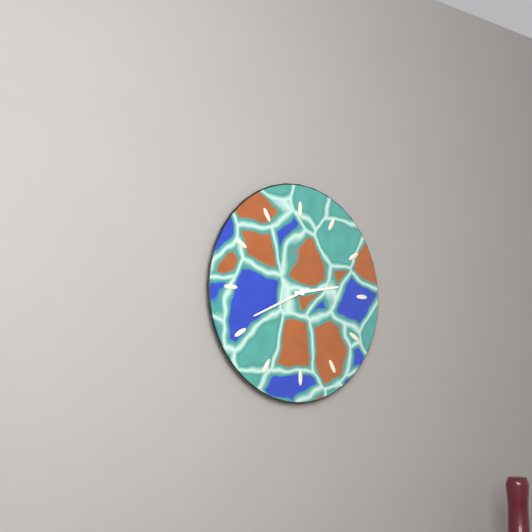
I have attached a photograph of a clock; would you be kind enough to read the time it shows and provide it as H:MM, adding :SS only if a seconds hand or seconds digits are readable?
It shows 2:41
